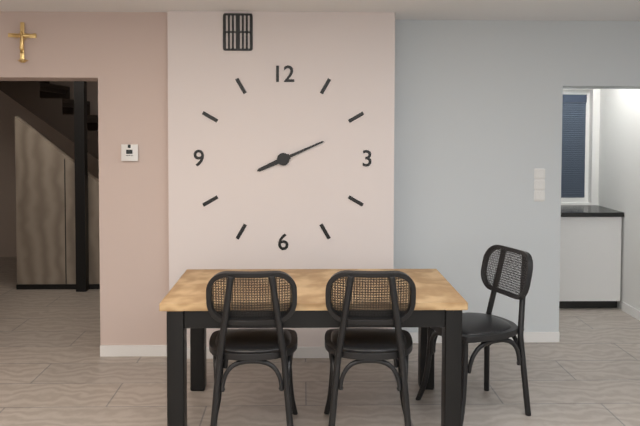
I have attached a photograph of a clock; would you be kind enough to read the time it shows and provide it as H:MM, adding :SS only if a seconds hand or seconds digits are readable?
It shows 8:11
